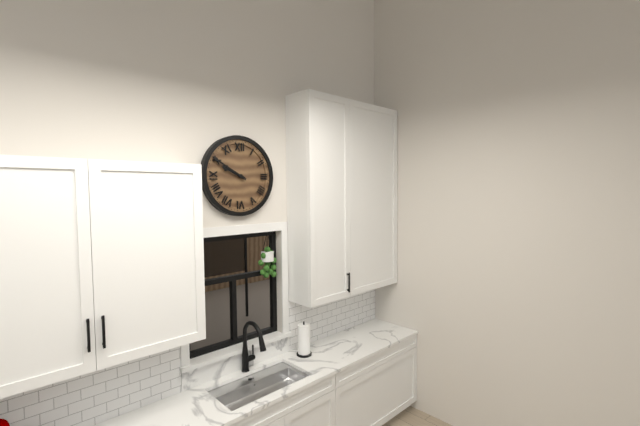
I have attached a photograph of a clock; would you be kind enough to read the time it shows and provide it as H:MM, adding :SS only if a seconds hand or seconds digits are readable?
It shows 9:50
